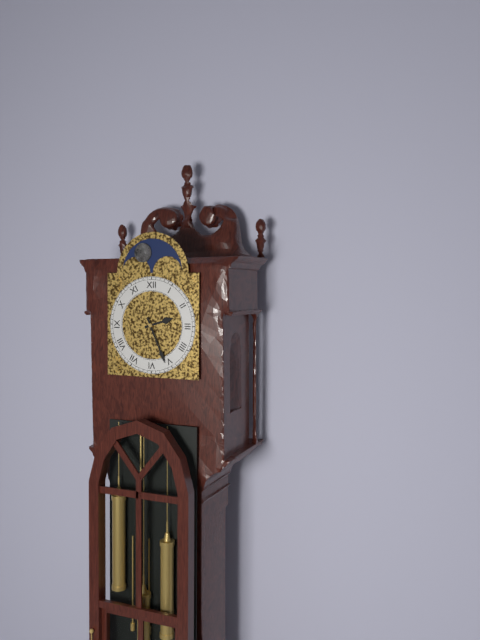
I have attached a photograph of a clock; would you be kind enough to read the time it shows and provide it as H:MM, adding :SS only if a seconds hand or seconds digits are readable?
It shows 2:26
